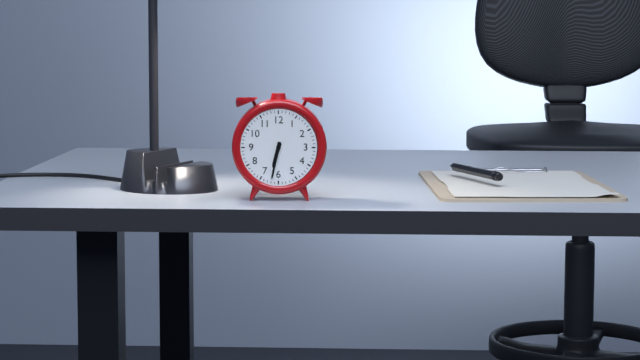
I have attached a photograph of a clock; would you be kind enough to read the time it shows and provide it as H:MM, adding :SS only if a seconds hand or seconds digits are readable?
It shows 6:32
